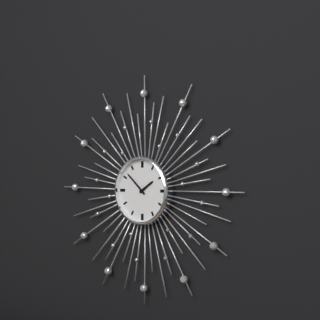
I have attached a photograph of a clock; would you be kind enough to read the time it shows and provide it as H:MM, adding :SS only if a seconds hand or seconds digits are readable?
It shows 1:52
